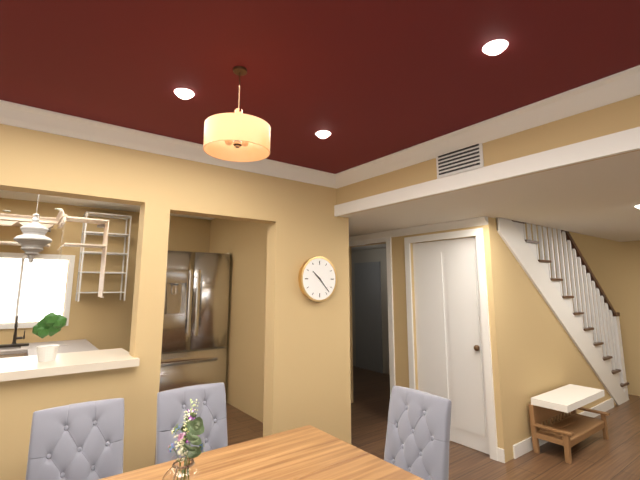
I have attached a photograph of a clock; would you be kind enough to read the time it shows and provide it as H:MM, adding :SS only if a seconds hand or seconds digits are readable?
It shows 10:23
